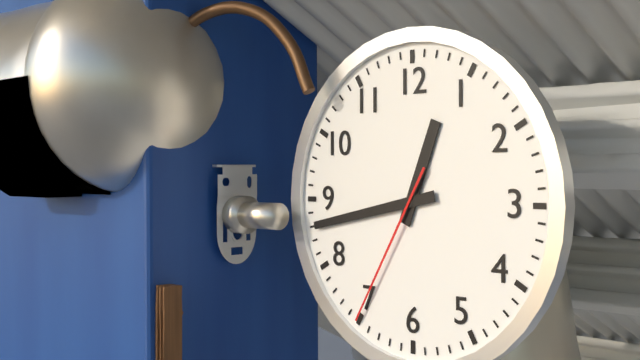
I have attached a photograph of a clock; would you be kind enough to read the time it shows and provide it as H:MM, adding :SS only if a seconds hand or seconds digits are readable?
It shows 12:43:35
